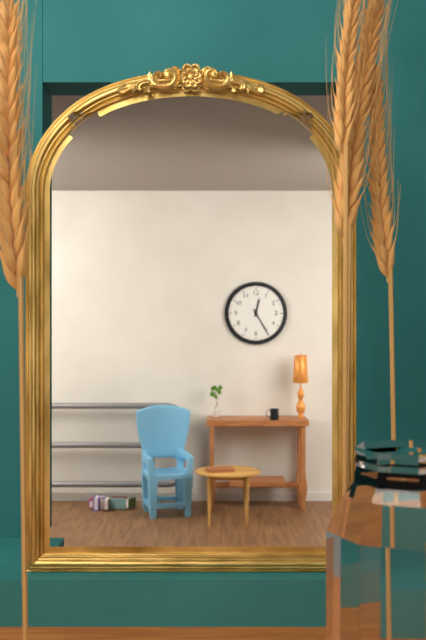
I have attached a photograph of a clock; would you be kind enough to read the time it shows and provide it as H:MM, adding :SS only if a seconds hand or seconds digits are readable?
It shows 12:25
